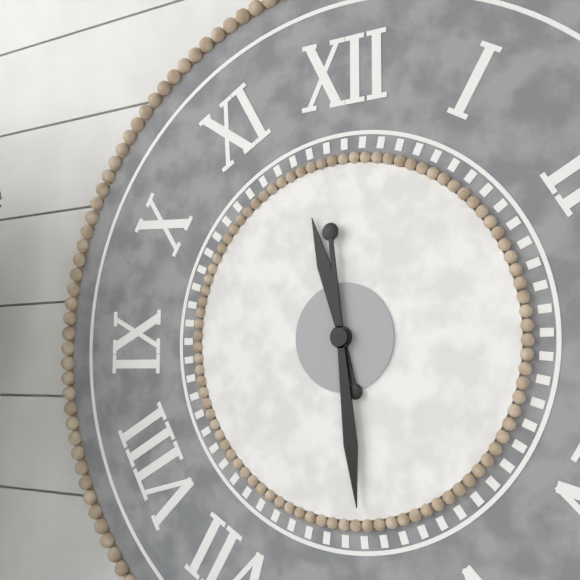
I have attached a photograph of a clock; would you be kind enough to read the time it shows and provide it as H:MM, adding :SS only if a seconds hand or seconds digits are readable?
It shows 11:29
